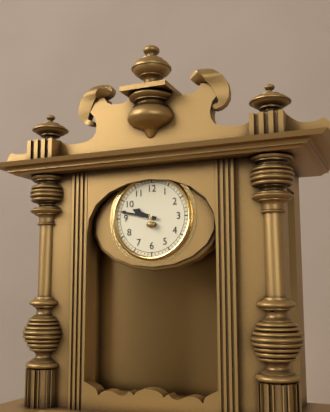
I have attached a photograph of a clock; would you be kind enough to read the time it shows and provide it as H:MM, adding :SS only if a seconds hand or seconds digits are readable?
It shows 9:47
